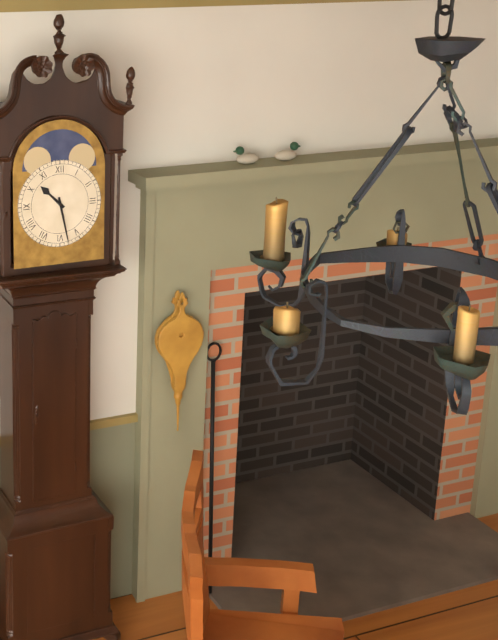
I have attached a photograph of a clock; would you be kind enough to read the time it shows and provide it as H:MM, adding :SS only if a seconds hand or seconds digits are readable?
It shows 10:28
